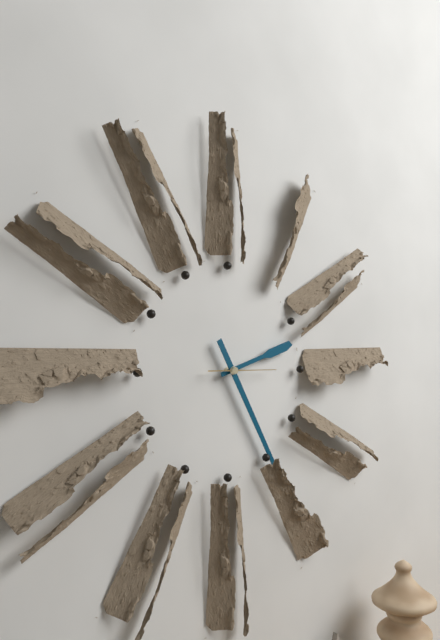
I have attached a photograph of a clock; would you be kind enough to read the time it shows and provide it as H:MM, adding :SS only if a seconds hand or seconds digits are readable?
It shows 2:25:15
